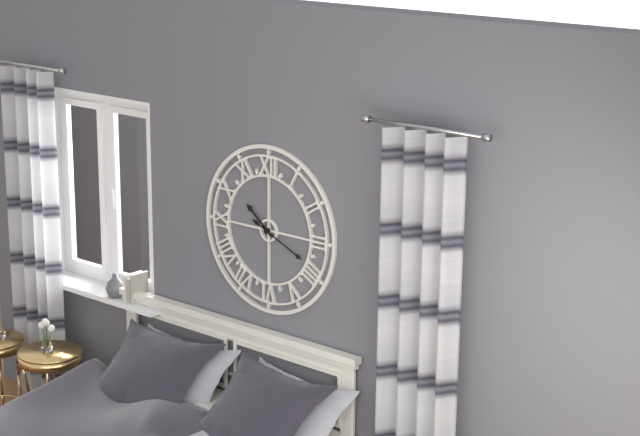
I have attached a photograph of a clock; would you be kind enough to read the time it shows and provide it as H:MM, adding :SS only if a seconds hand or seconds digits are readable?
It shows 10:19
